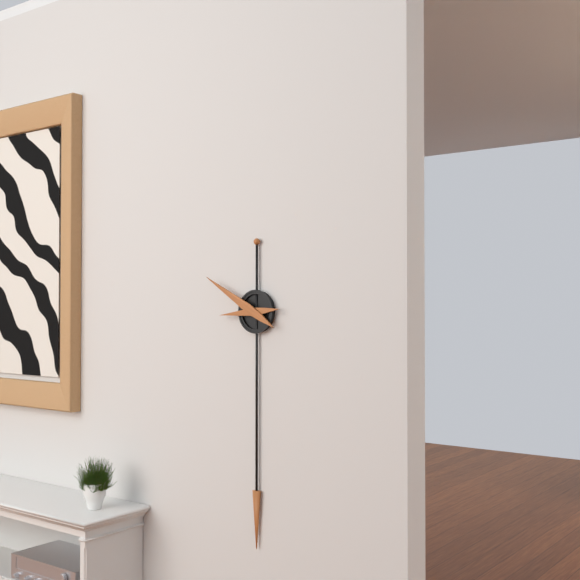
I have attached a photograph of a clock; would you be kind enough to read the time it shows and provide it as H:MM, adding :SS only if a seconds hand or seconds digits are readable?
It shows 8:50
